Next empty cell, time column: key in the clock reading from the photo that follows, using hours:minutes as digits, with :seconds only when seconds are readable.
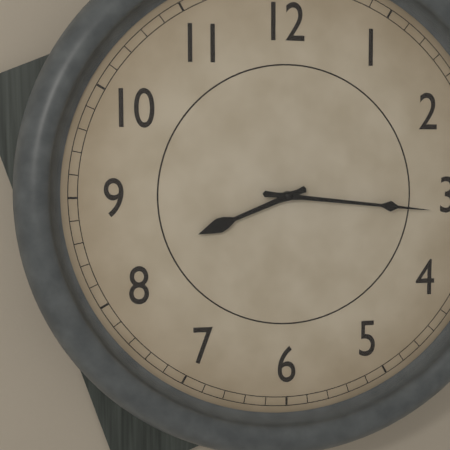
8:16
